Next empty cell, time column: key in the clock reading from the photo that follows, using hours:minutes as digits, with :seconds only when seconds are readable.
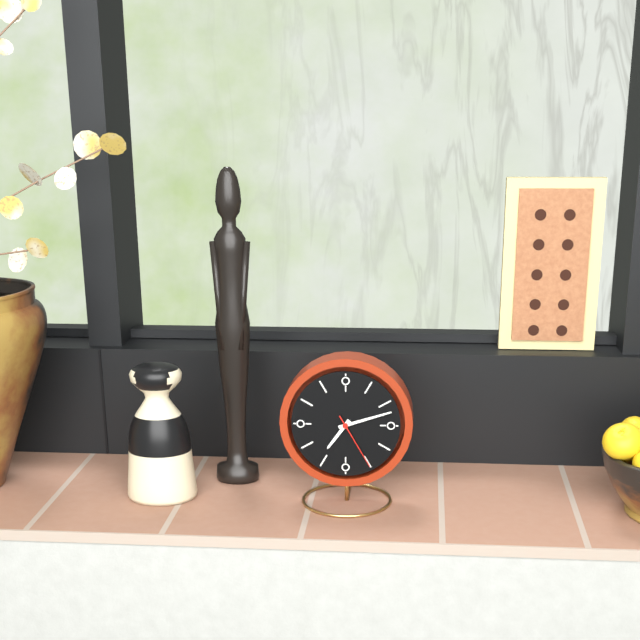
7:12:25
